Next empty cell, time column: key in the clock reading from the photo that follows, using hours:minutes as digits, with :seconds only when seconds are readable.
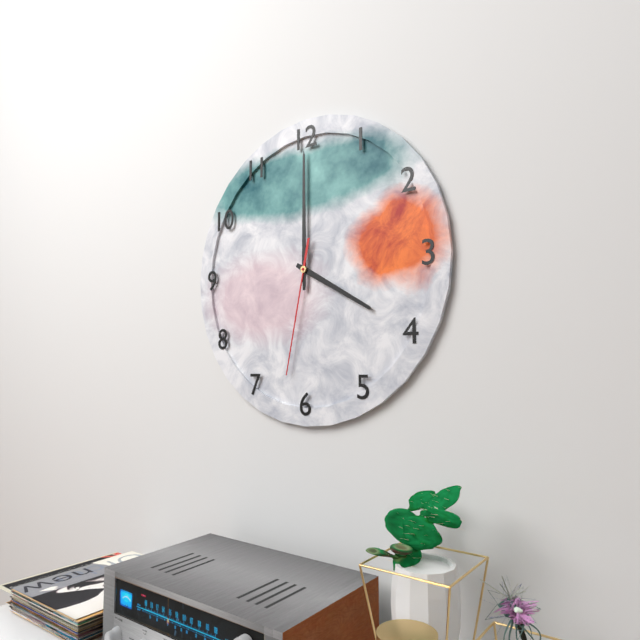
4:00:32
